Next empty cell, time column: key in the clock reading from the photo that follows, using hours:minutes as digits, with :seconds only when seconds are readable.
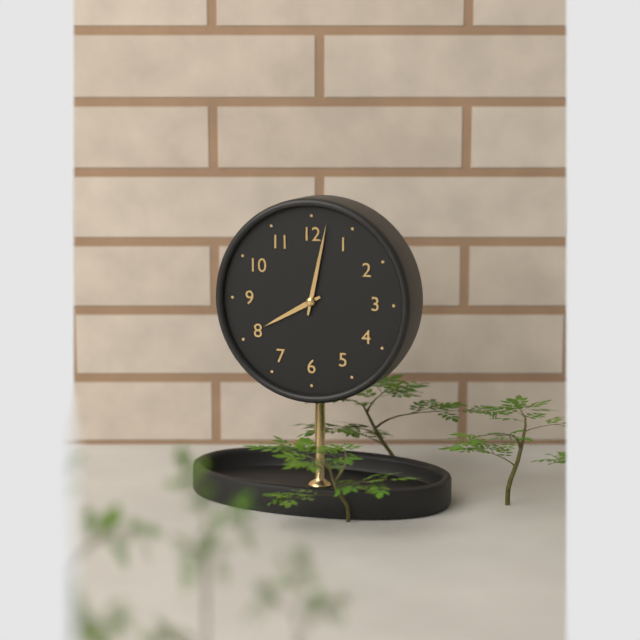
8:02
